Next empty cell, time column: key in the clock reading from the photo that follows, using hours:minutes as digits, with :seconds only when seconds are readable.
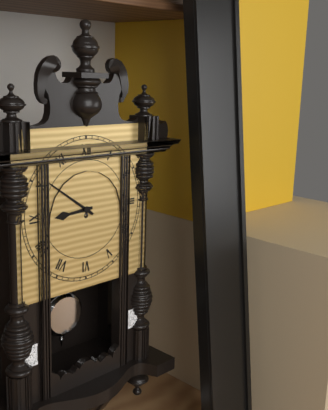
8:51
